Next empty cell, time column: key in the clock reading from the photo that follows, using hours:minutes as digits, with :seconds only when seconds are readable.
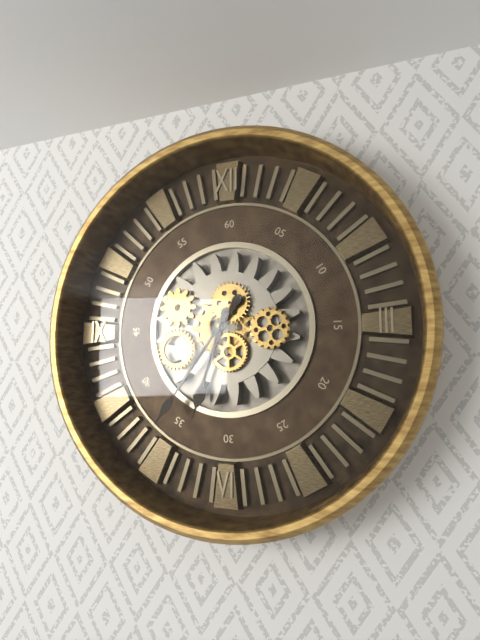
6:36
